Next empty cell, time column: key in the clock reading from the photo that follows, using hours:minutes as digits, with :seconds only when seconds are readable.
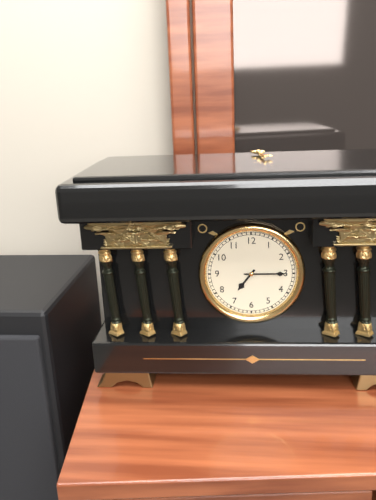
7:15
